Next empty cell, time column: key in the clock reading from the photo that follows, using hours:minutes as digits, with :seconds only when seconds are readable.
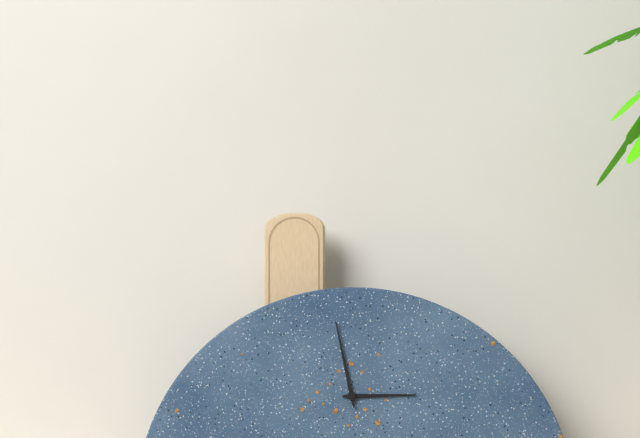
2:58
